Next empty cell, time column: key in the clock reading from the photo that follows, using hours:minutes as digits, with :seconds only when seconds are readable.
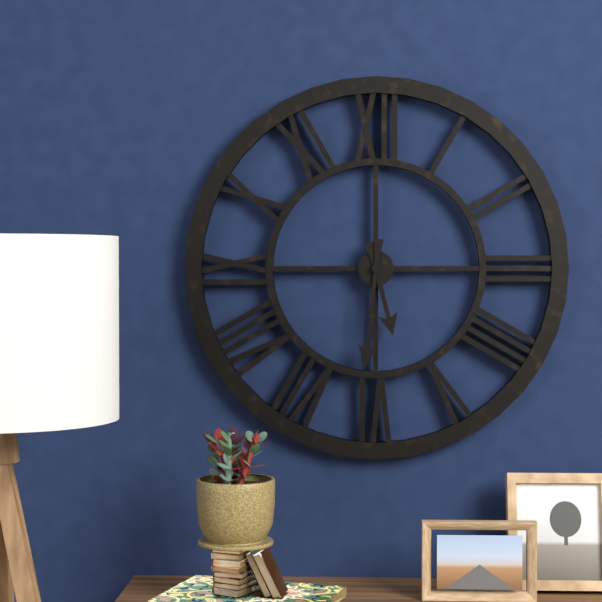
5:31
